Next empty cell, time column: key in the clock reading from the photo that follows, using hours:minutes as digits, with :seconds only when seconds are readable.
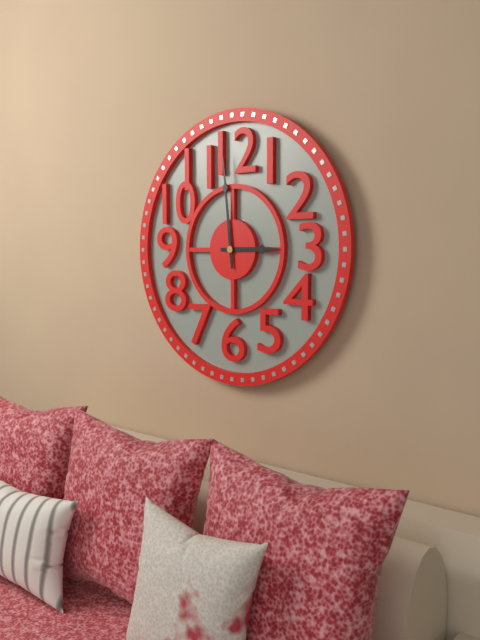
2:59
